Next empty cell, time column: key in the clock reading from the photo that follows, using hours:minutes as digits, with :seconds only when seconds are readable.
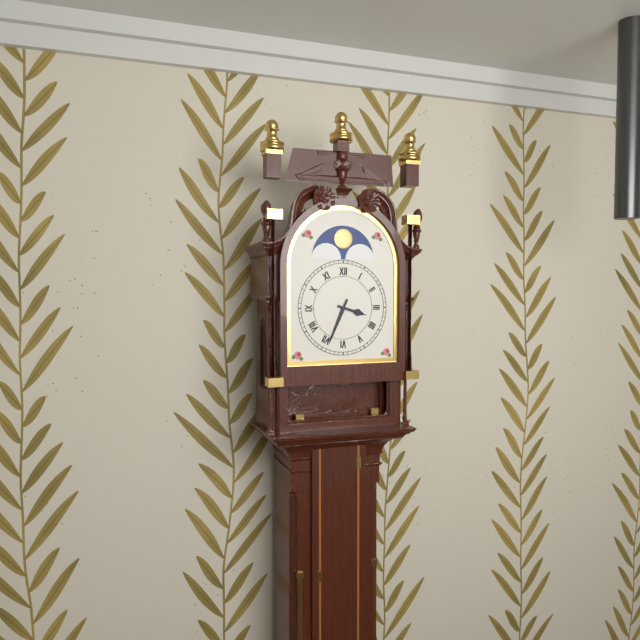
3:34
